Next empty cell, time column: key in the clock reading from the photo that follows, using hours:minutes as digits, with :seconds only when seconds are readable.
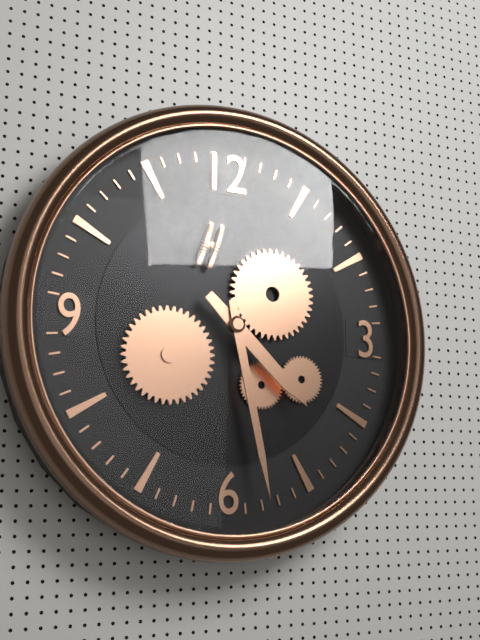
4:28
